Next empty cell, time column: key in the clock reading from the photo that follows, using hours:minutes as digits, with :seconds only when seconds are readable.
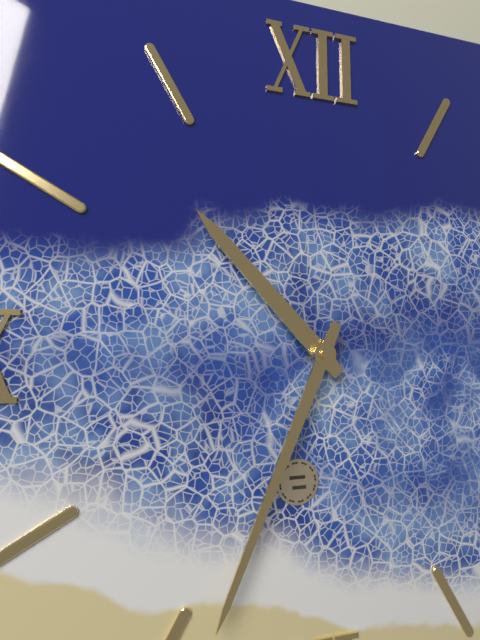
10:34
